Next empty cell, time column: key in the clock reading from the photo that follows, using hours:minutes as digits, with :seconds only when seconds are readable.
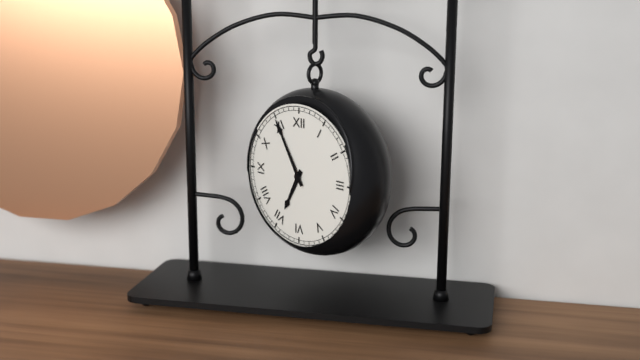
6:55
